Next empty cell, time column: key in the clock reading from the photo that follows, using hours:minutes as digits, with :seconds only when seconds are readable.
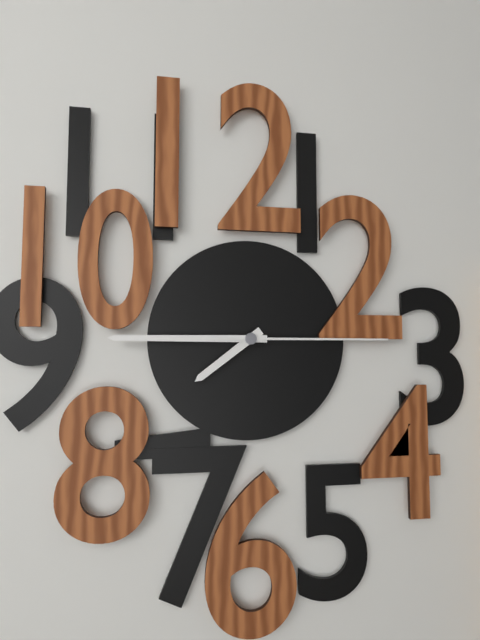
7:45:15
